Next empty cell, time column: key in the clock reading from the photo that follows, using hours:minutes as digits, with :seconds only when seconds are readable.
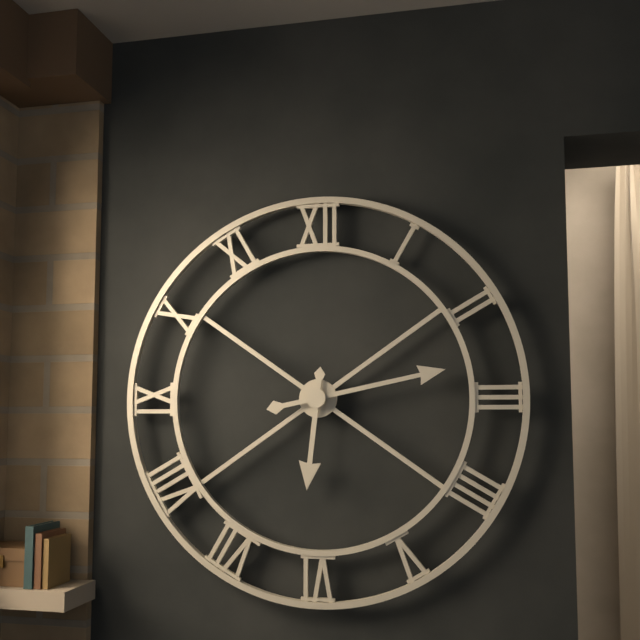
6:13
